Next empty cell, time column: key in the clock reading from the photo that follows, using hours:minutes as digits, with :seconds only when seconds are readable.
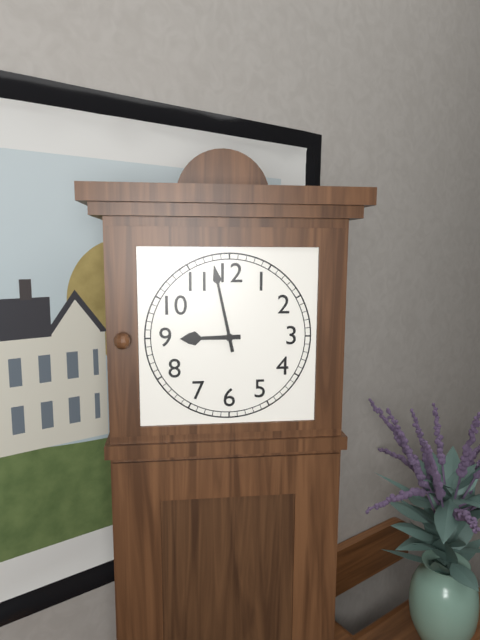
8:58
